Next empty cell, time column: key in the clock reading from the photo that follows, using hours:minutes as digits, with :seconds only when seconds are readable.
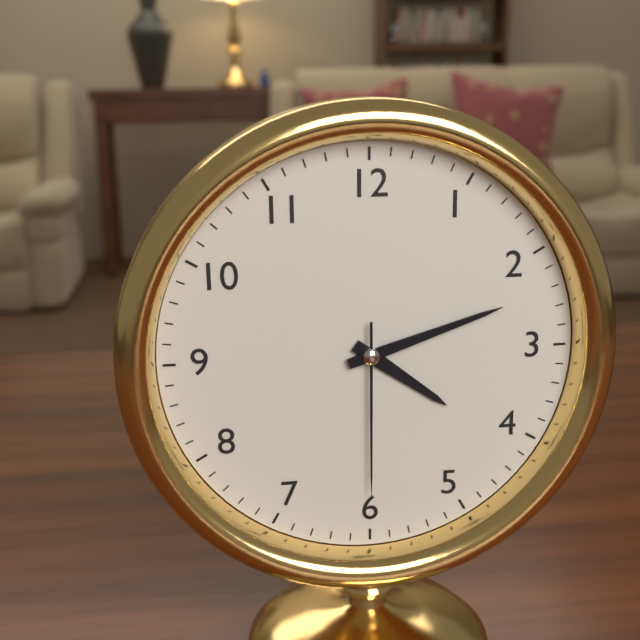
4:12:30
